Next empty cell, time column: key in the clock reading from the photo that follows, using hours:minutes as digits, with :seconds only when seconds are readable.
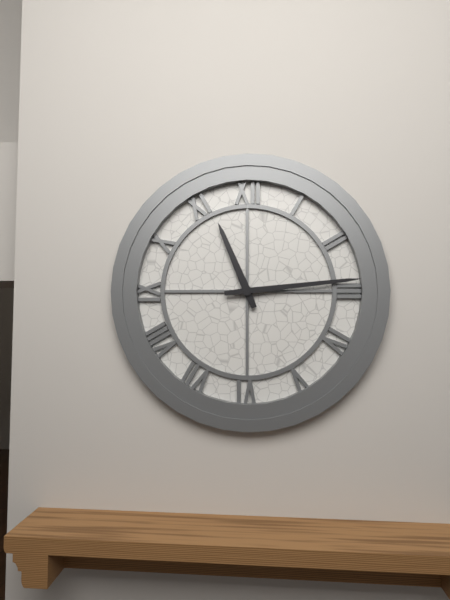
11:14
